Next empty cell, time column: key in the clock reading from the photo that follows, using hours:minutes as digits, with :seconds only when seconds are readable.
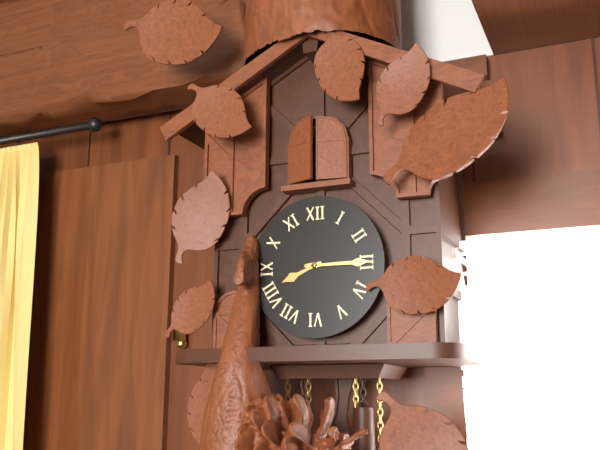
8:15
